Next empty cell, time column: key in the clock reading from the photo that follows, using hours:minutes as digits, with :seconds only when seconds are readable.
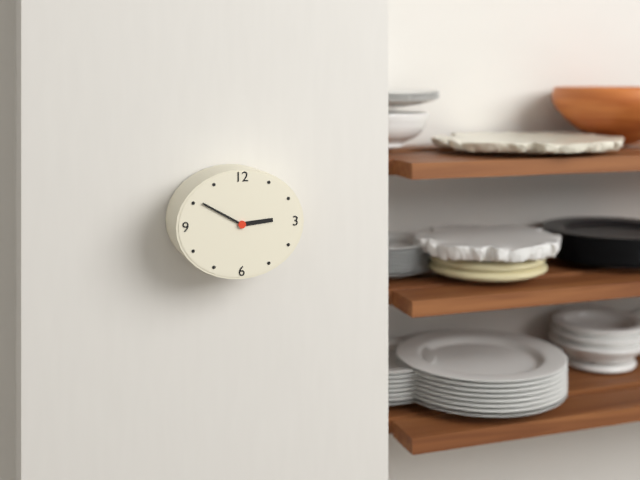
2:50
